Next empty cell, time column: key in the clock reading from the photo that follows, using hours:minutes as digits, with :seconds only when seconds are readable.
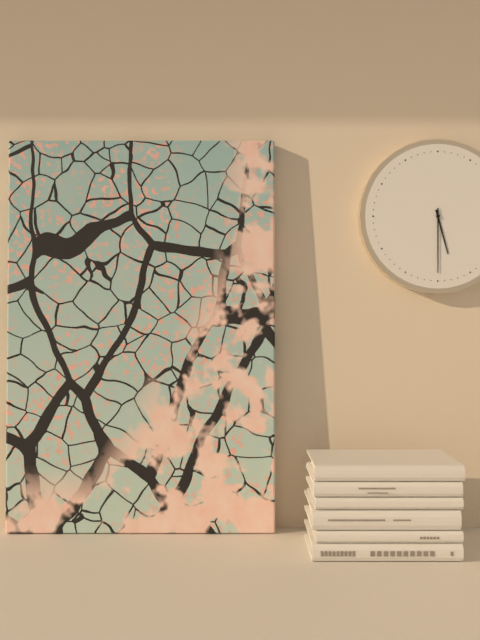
5:30
